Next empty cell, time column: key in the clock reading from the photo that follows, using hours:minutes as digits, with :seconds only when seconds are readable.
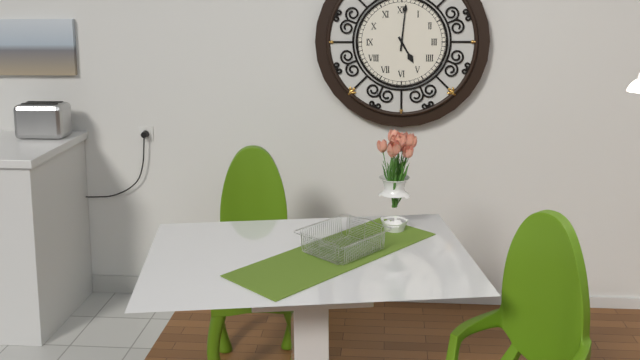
5:01
